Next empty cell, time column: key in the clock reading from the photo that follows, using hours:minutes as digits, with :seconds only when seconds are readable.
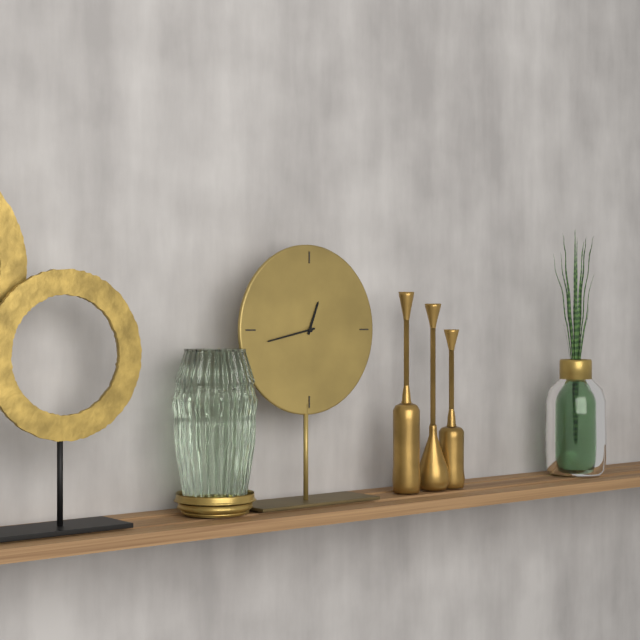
12:43
